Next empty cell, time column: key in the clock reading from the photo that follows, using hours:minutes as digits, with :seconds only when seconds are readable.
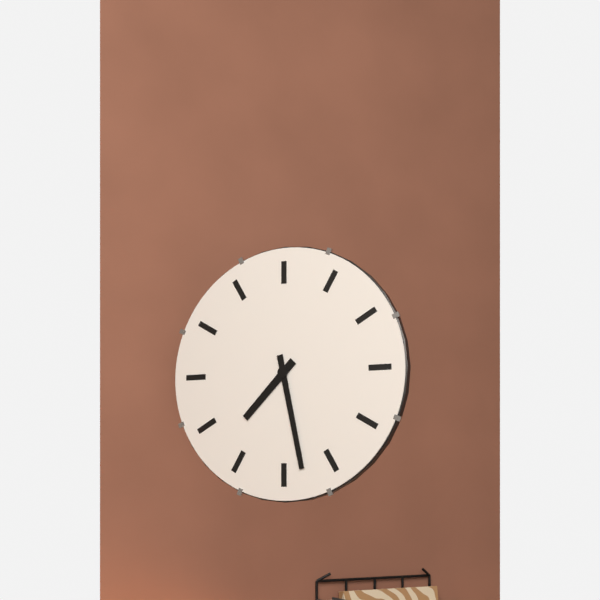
7:28
